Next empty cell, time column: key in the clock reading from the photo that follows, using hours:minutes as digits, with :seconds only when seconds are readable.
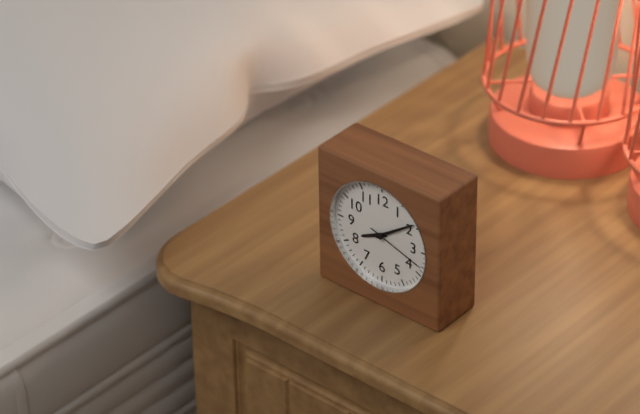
8:09:18
